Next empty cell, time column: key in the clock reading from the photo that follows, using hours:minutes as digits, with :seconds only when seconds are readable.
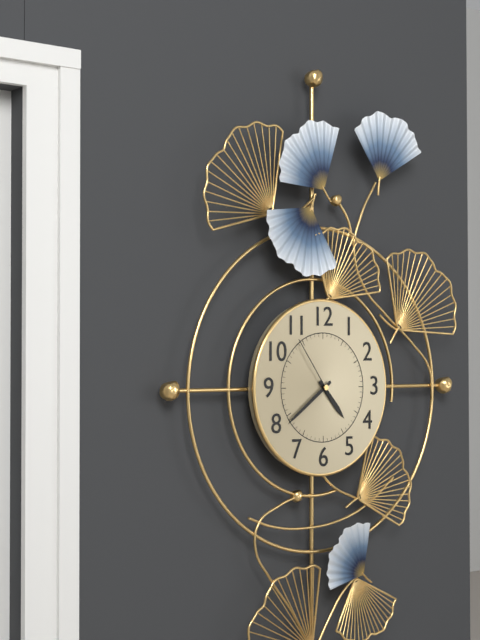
4:39:54
